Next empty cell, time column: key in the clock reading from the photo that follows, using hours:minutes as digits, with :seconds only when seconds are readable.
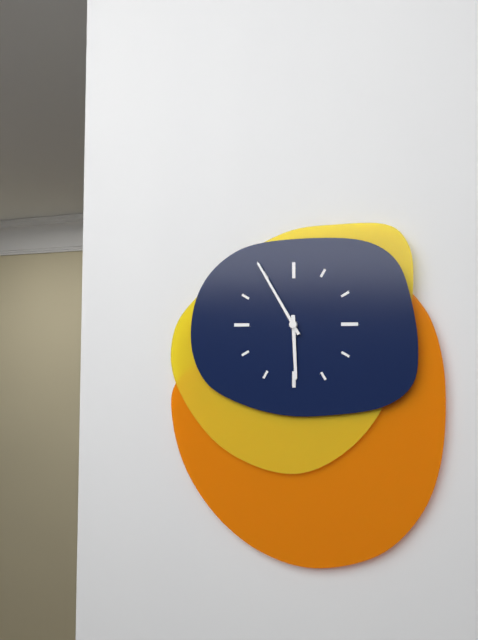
5:55
